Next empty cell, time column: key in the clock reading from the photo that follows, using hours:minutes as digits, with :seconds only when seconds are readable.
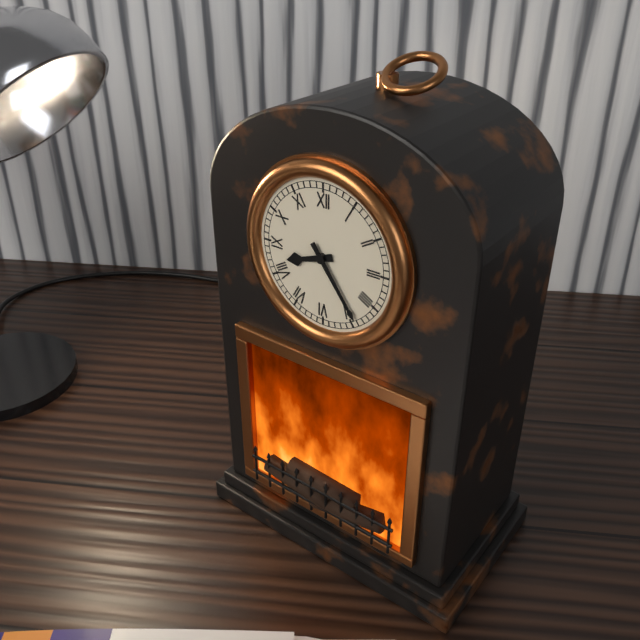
8:24
